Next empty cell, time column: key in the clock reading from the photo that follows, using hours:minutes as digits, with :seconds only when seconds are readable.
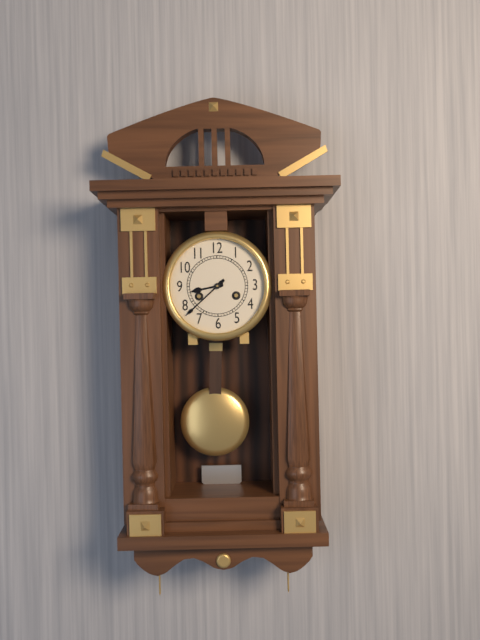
8:38
